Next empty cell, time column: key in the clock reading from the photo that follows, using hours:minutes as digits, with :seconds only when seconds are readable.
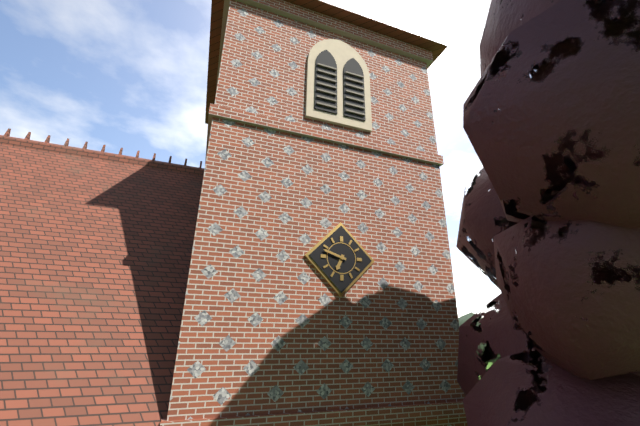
6:48
